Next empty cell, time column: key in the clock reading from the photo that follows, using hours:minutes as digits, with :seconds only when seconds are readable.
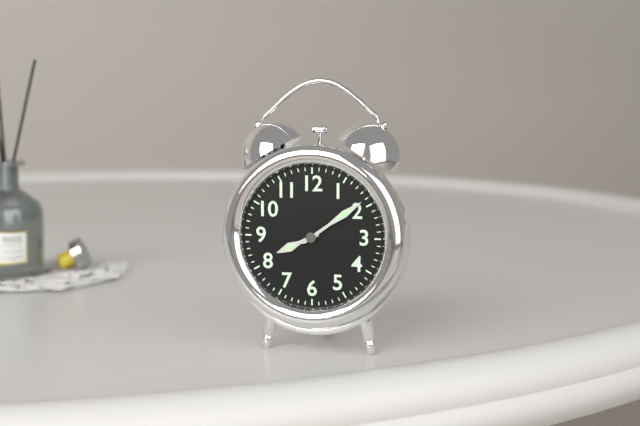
8:09
